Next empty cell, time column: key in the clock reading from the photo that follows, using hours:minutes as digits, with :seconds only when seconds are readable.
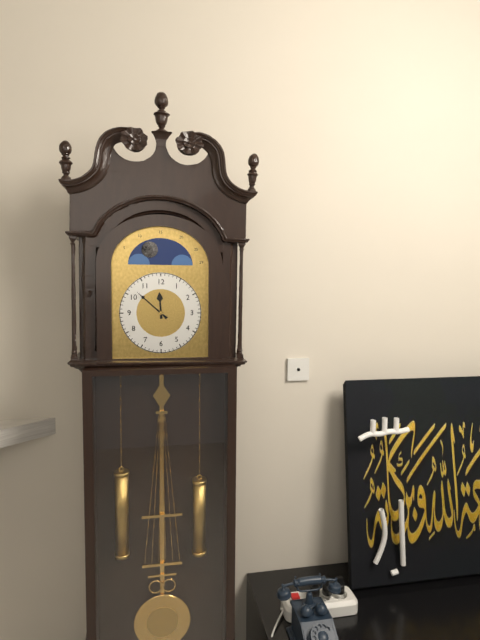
11:52
